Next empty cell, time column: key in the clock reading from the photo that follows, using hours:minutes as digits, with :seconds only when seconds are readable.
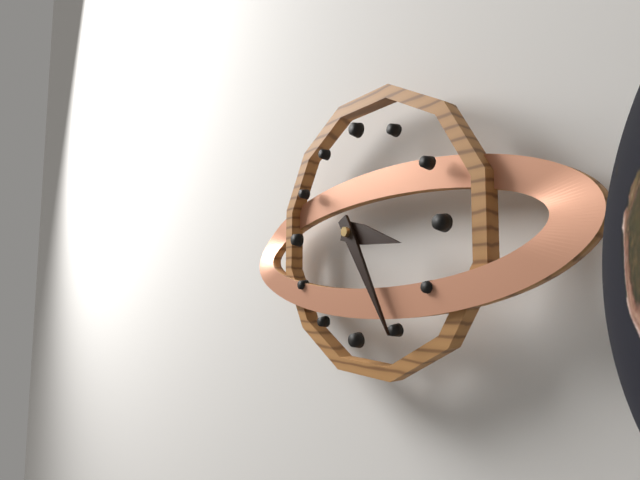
3:25
